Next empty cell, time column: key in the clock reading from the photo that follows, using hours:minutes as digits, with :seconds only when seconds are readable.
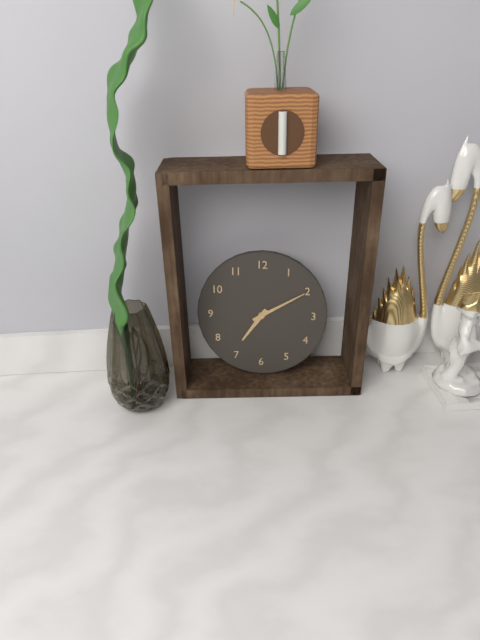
7:10
